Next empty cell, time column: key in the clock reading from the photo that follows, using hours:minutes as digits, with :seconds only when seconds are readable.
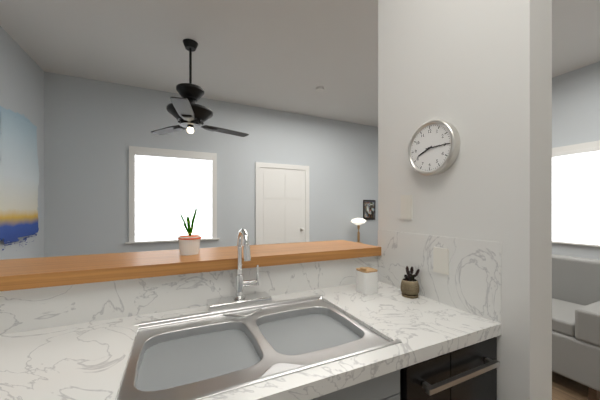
8:15
